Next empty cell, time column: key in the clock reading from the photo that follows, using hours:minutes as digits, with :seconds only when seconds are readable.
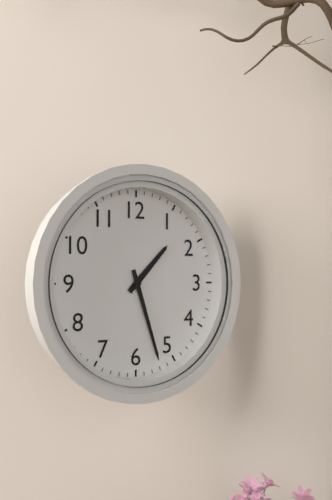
1:27
